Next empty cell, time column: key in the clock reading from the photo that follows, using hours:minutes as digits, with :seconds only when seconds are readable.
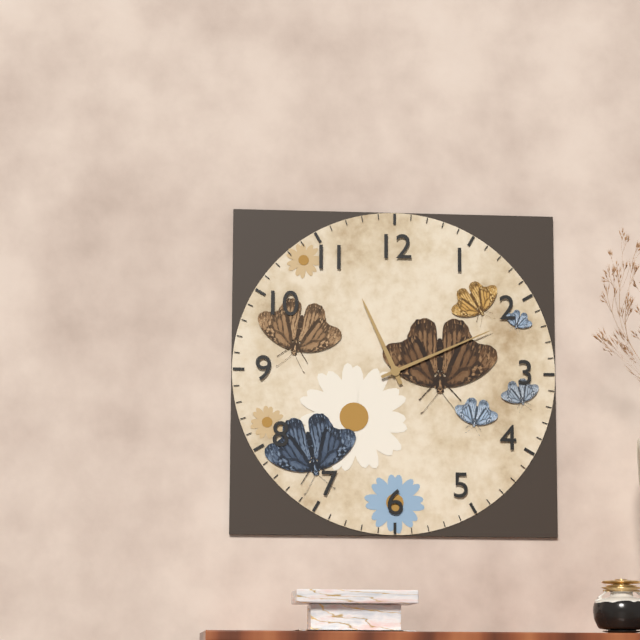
11:11
